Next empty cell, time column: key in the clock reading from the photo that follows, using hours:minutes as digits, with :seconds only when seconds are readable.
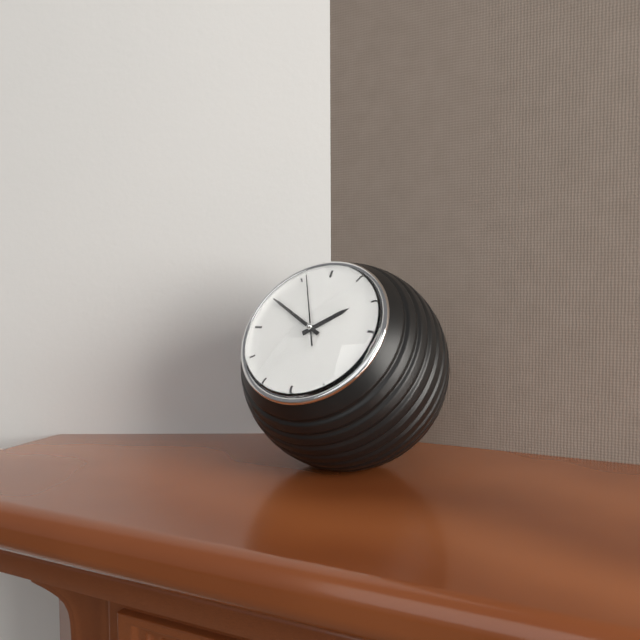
1:50:56
